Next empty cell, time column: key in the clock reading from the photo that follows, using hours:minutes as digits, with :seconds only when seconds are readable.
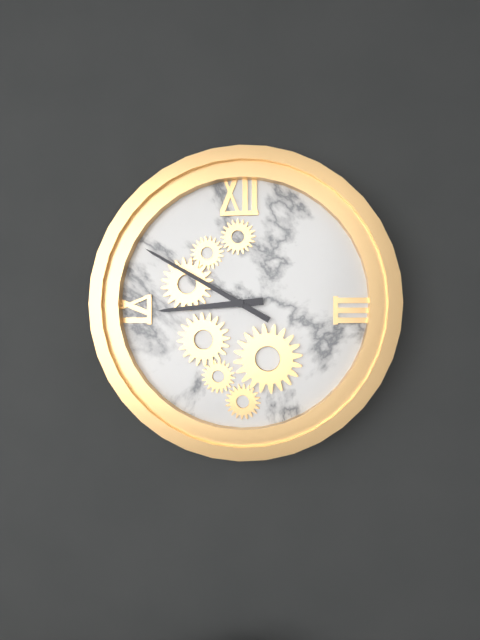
8:50
